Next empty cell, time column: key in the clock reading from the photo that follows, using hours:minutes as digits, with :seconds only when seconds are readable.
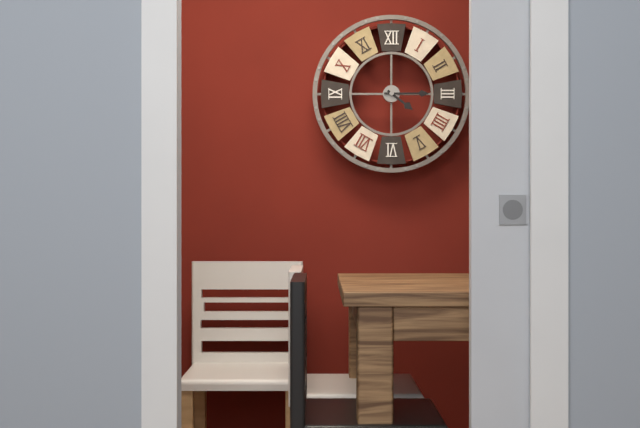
4:15
